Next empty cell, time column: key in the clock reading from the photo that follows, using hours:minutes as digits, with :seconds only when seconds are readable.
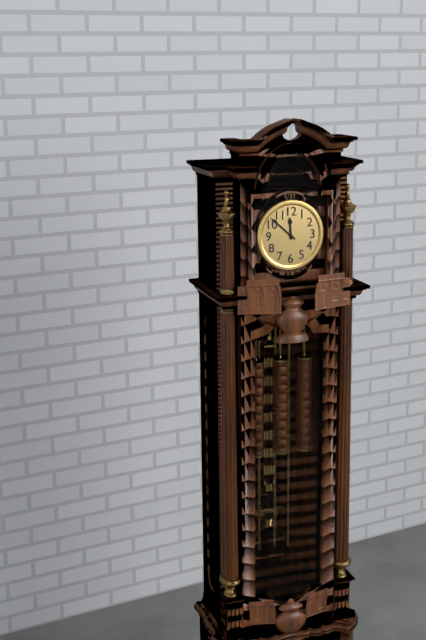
11:52
